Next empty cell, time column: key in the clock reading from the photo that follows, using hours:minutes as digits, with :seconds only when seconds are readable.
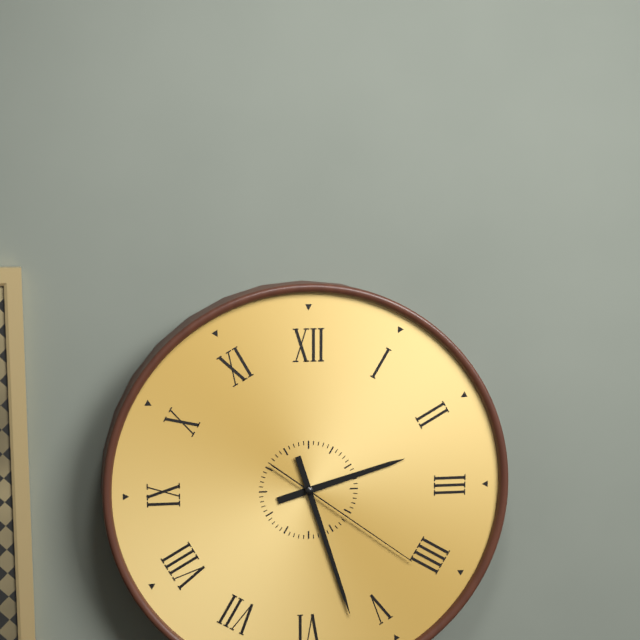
2:27:21
